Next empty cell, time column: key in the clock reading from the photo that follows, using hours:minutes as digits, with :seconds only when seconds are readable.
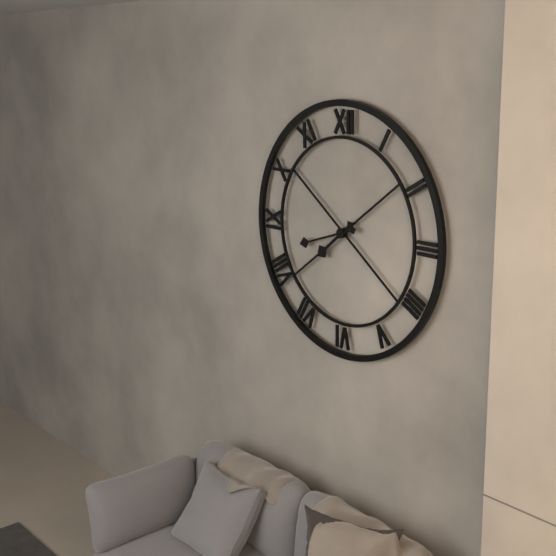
7:42
